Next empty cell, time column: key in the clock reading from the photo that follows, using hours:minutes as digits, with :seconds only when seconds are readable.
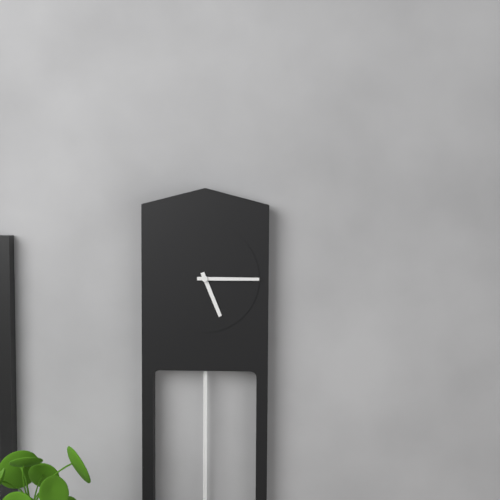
5:15
